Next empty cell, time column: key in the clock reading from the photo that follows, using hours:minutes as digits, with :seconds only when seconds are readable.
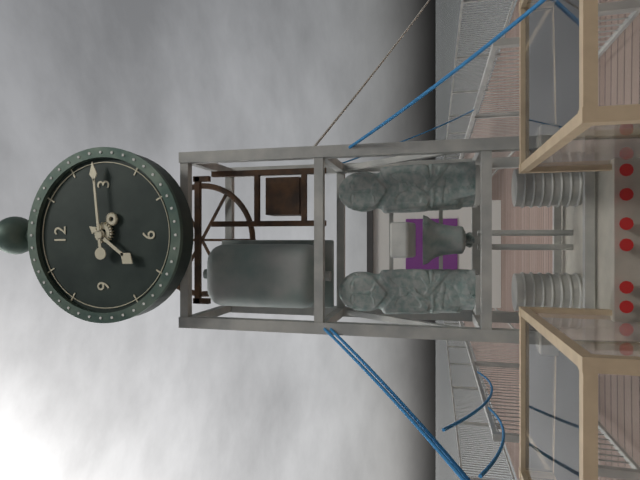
7:14
